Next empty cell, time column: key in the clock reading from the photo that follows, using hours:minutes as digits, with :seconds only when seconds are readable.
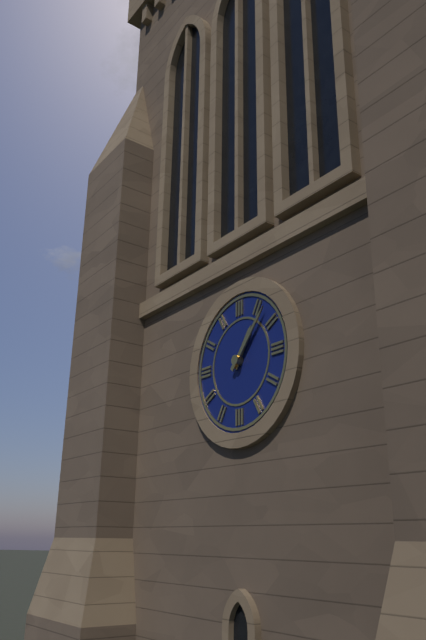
1:07
